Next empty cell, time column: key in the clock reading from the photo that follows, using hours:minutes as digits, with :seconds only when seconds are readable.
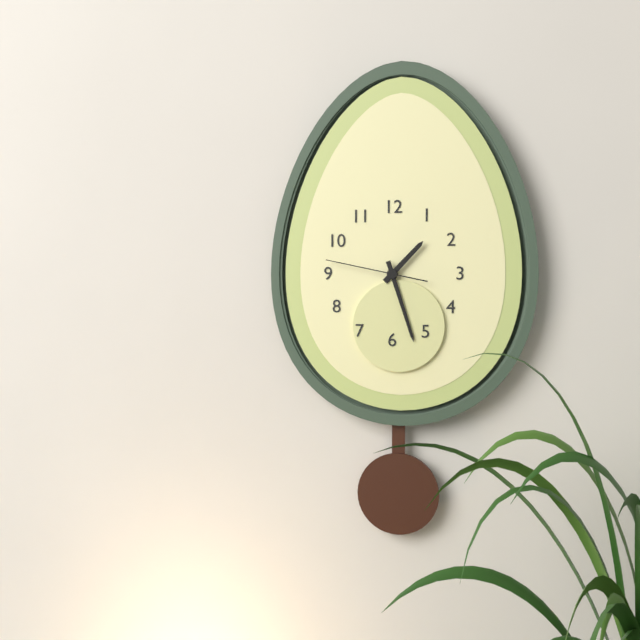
1:27:47
